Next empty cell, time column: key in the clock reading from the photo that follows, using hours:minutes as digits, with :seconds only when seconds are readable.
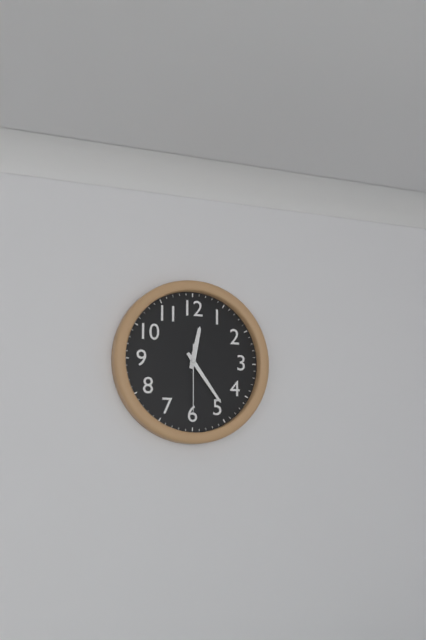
12:24:30
